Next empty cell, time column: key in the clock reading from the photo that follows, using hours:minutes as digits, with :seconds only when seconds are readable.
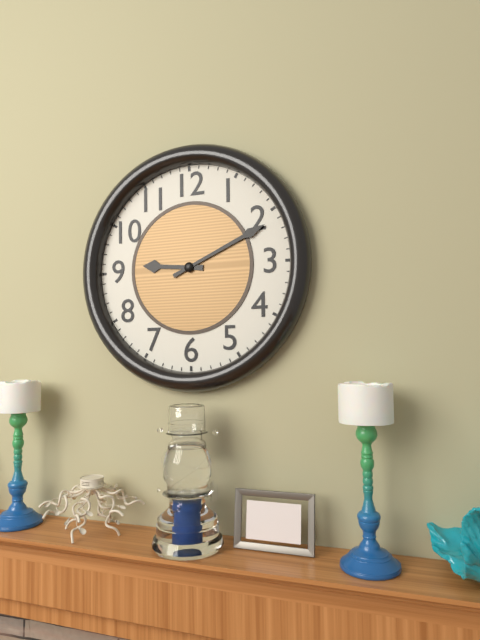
9:11
